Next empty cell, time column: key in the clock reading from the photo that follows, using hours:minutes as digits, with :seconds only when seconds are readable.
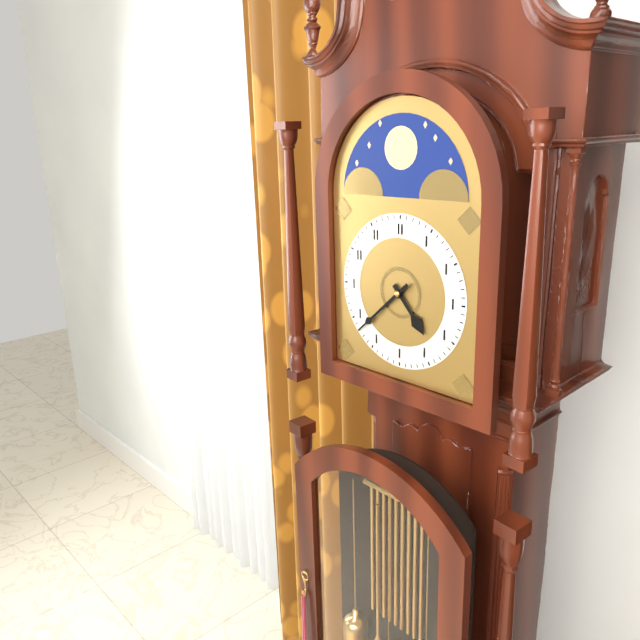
4:38
